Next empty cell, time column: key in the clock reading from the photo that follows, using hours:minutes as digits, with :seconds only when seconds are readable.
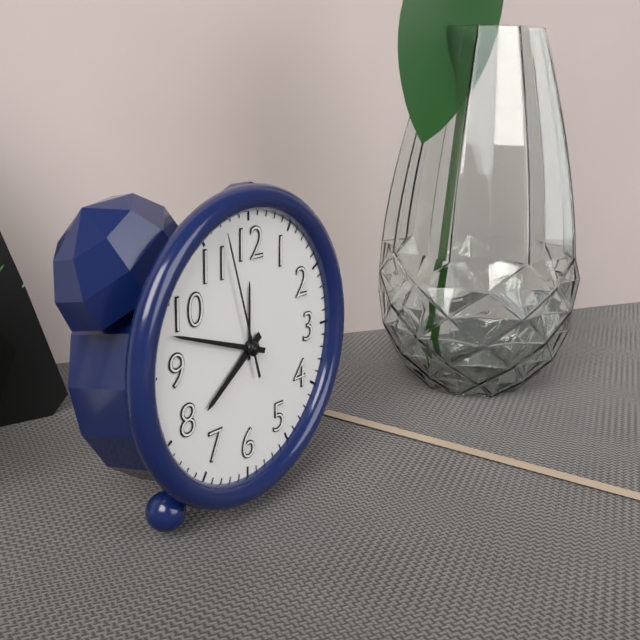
7:48:57
